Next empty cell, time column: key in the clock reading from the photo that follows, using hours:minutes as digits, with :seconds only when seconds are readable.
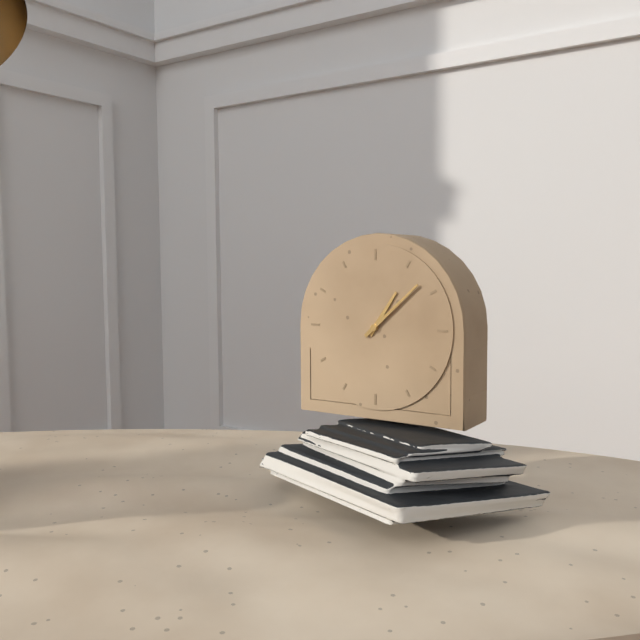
1:08
